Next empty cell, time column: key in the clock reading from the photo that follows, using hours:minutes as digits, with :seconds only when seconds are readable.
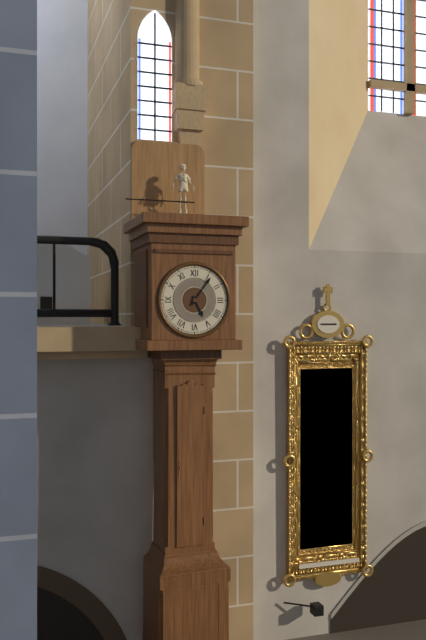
5:06
